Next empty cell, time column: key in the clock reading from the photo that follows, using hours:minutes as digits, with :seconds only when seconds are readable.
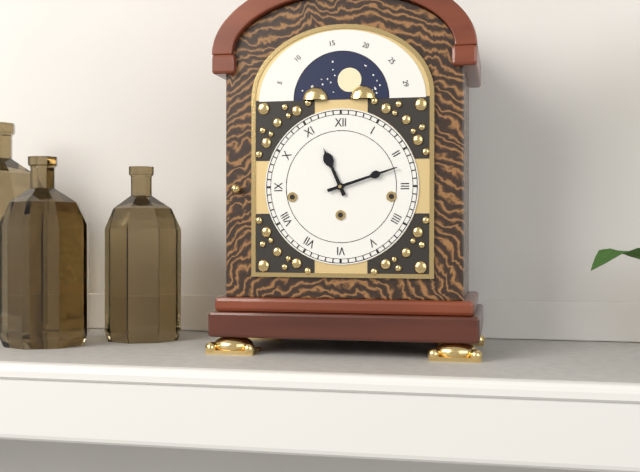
11:12
